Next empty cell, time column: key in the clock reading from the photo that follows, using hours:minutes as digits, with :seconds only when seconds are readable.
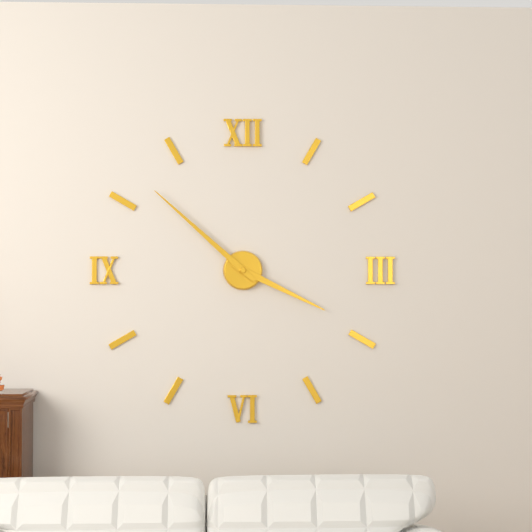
3:52
